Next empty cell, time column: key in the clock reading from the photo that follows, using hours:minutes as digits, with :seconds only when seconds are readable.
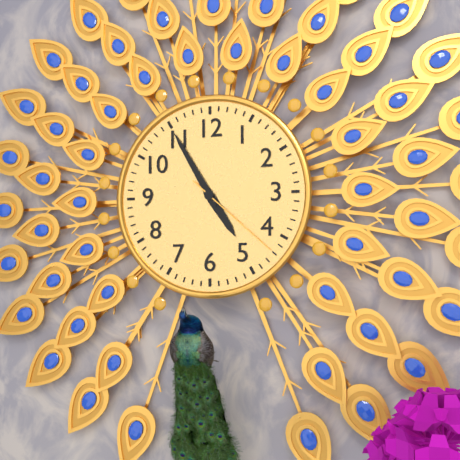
4:55:22
